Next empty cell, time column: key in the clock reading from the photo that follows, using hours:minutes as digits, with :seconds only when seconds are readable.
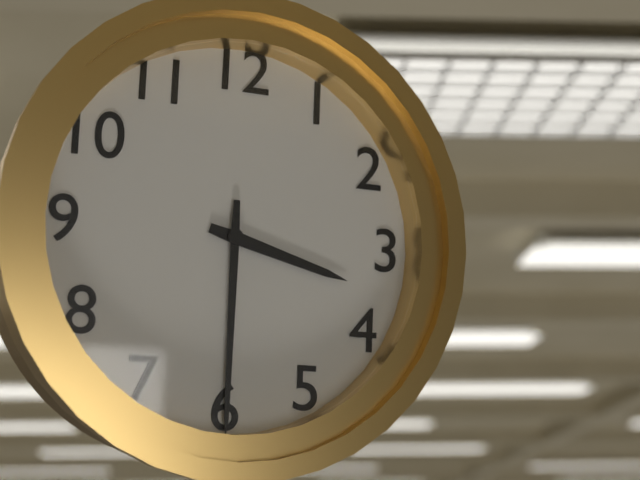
3:30
